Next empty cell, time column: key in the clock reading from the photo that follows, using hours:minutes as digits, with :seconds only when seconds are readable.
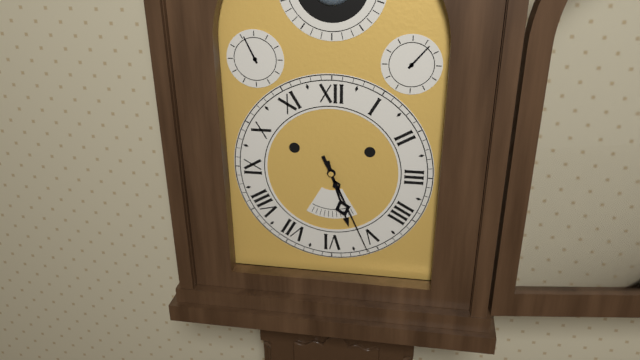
5:26
